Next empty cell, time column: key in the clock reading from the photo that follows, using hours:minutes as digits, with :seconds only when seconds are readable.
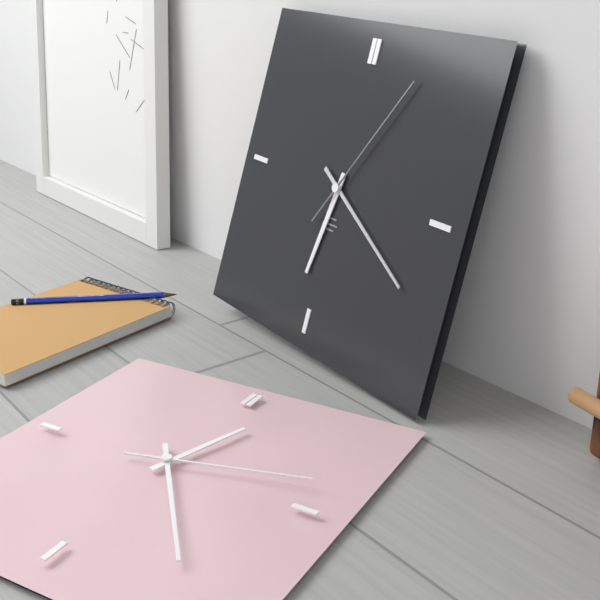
6:20:05
